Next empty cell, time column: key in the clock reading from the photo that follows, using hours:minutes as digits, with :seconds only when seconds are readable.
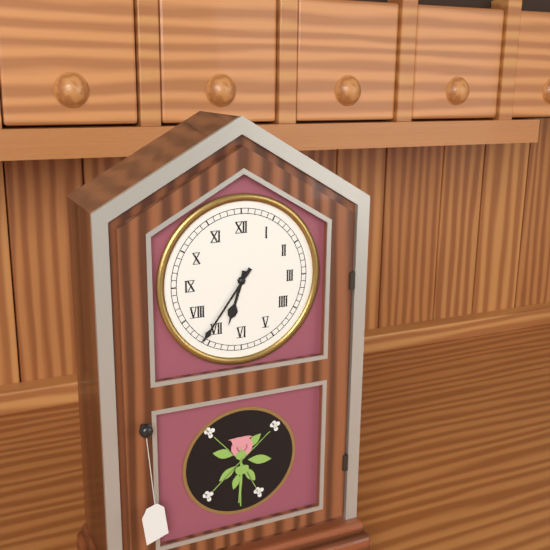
6:36
